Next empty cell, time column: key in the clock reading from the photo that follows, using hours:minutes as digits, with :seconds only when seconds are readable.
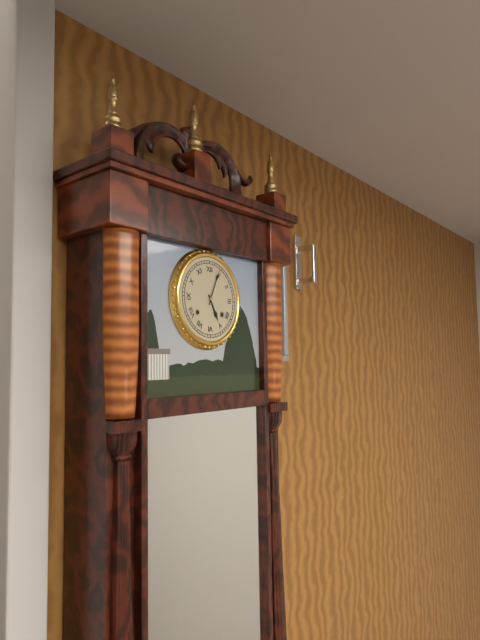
5:04
